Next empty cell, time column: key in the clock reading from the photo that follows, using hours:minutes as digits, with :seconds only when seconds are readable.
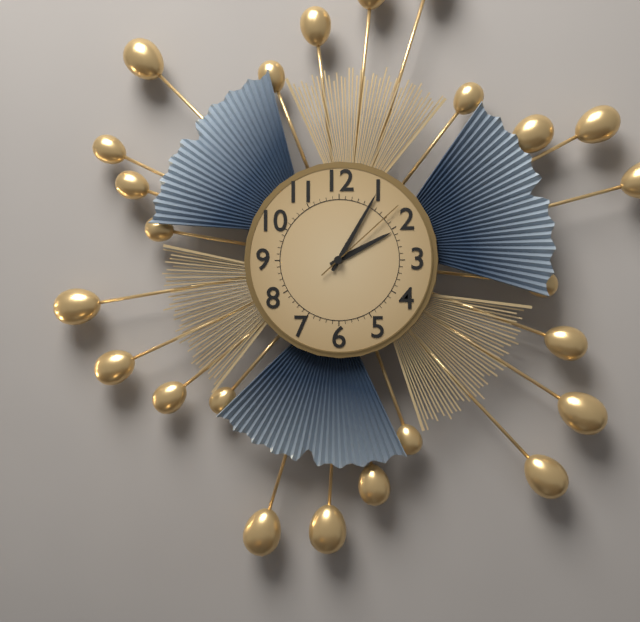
2:05:08
